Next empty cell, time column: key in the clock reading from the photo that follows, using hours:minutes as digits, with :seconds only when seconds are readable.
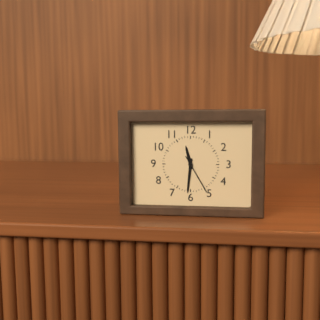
11:31
